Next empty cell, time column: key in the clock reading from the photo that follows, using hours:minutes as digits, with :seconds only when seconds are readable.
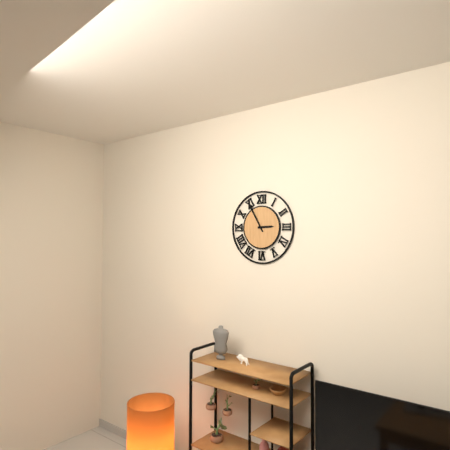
2:55
